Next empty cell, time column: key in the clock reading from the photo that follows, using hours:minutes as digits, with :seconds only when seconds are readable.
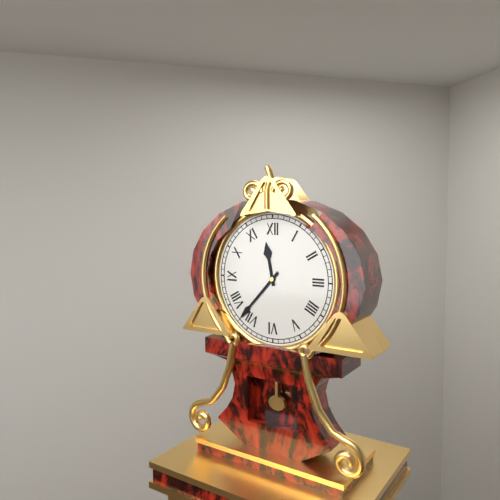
11:37
